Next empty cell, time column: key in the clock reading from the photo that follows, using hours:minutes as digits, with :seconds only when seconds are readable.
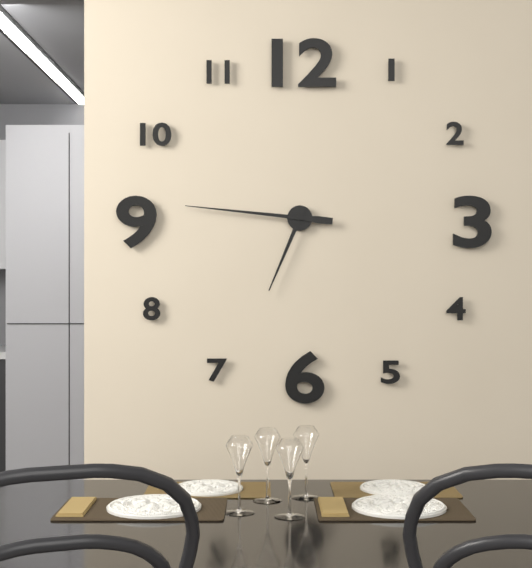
6:46
